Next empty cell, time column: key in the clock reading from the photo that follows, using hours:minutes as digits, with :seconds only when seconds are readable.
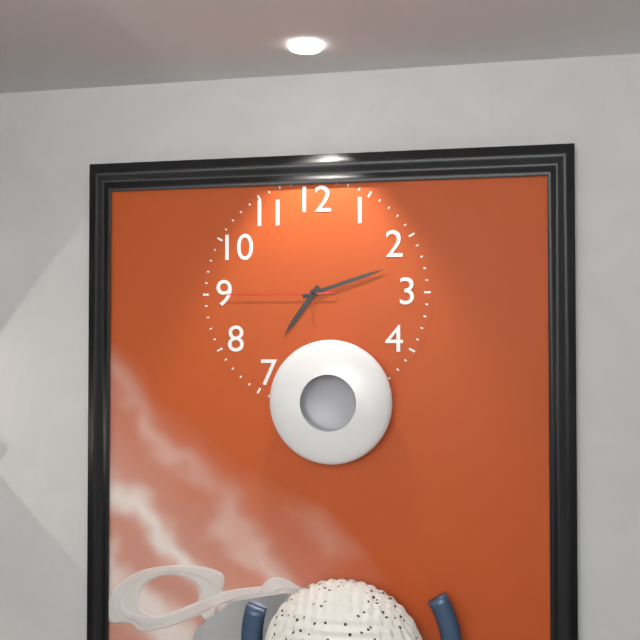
7:12:45
